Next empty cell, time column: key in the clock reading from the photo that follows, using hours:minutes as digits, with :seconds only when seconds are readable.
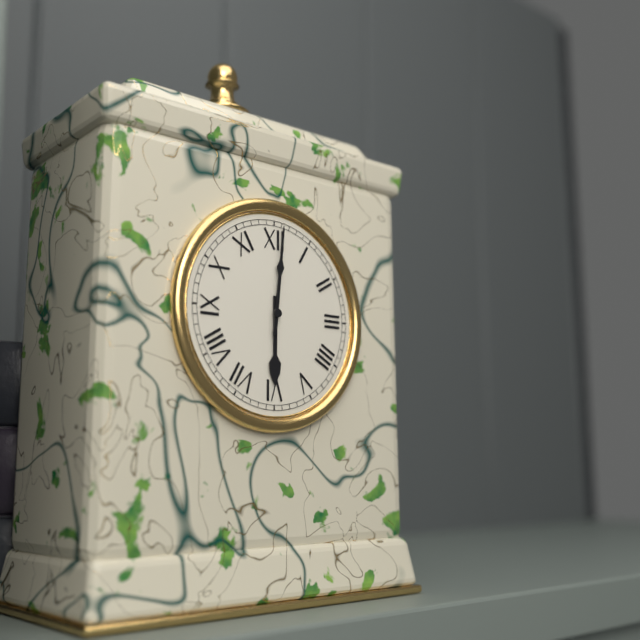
6:01
